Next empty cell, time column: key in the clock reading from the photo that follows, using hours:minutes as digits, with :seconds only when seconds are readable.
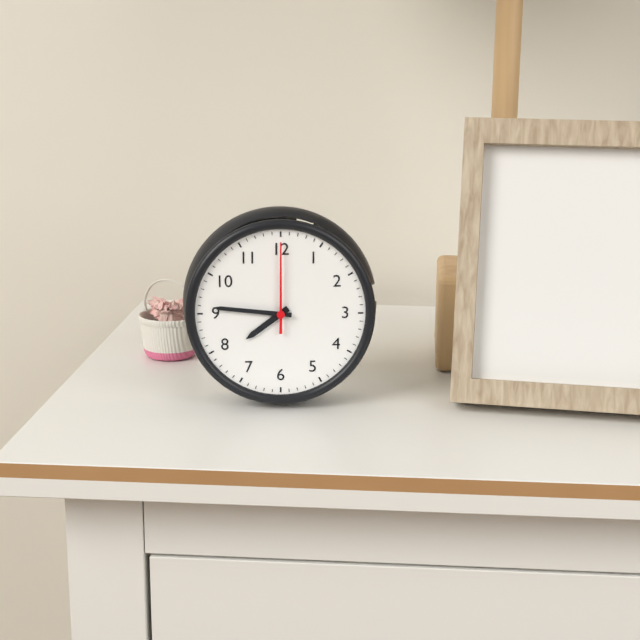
7:46:00
